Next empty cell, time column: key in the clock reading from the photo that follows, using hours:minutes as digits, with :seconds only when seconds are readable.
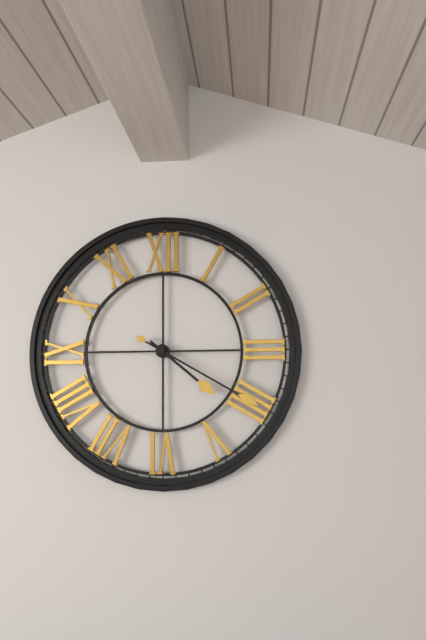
4:20
